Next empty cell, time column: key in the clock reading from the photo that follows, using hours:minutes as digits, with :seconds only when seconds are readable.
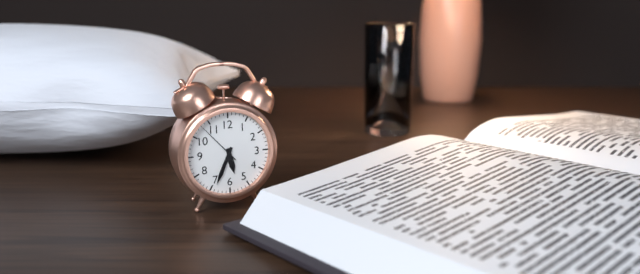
5:34
